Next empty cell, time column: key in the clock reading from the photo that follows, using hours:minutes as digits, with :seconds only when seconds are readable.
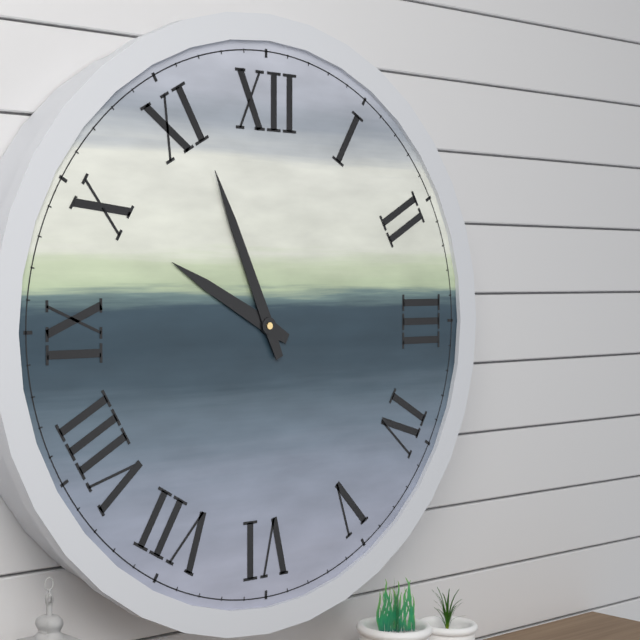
9:56
